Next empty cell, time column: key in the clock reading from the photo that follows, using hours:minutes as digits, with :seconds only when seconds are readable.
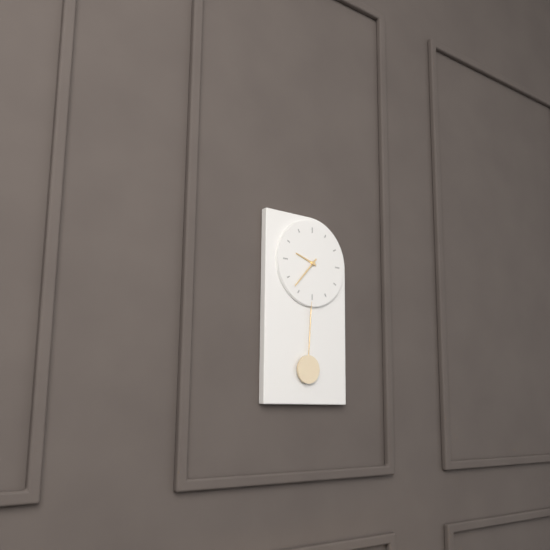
9:37
